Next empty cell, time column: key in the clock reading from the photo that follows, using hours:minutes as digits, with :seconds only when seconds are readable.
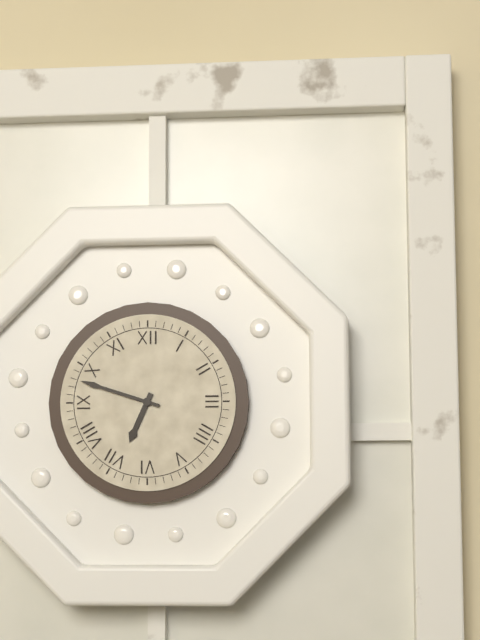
6:48
